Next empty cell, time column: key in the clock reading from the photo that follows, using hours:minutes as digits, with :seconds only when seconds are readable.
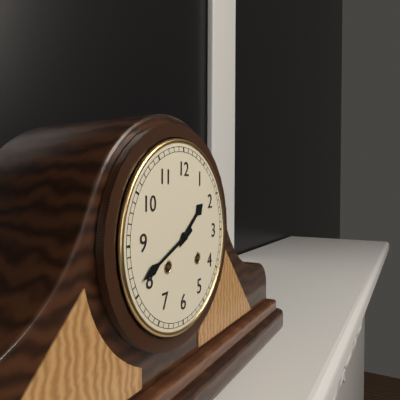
1:41
